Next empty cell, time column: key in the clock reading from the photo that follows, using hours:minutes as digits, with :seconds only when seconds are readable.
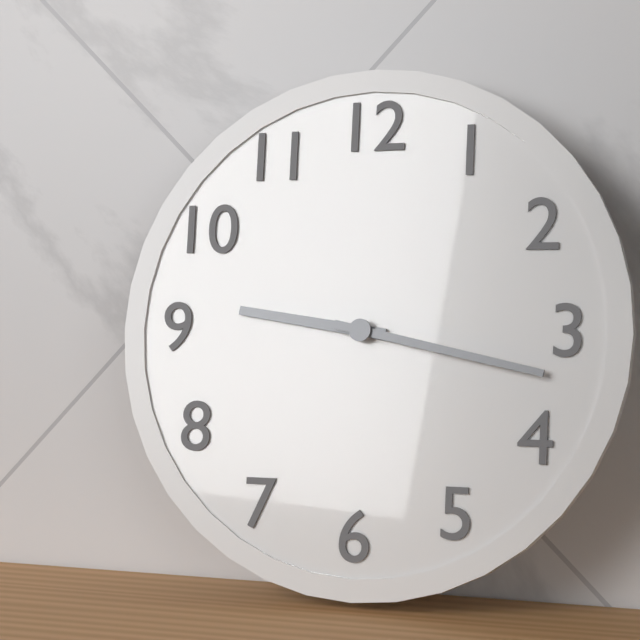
9:17
